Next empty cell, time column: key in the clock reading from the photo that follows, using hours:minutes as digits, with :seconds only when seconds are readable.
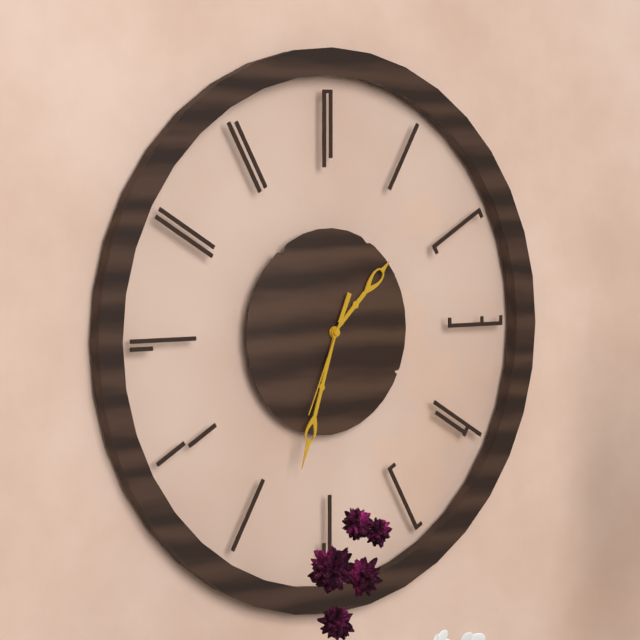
1:33:34
